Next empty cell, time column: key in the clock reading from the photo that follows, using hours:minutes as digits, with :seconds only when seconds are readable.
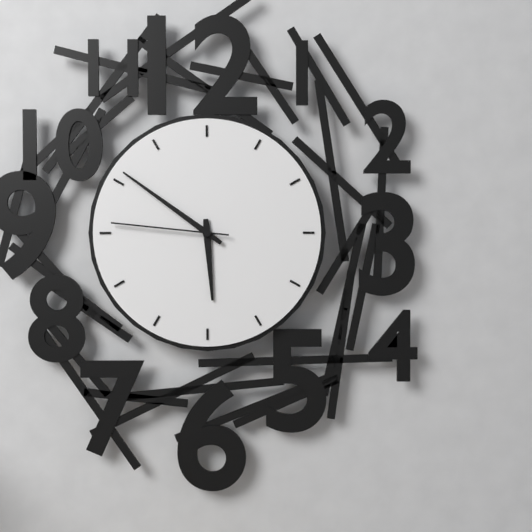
5:51:46
